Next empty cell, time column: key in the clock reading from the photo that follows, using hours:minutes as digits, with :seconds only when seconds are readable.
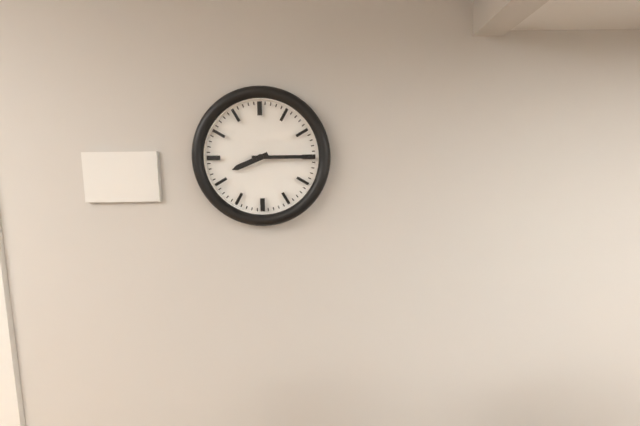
8:15
